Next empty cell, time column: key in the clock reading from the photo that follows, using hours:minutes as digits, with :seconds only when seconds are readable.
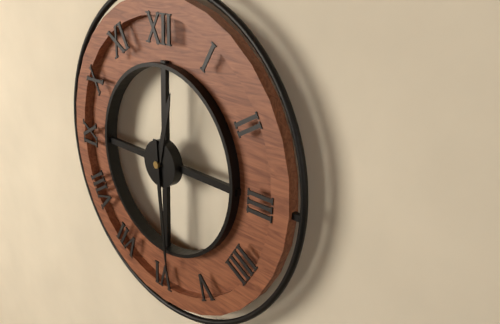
12:29
